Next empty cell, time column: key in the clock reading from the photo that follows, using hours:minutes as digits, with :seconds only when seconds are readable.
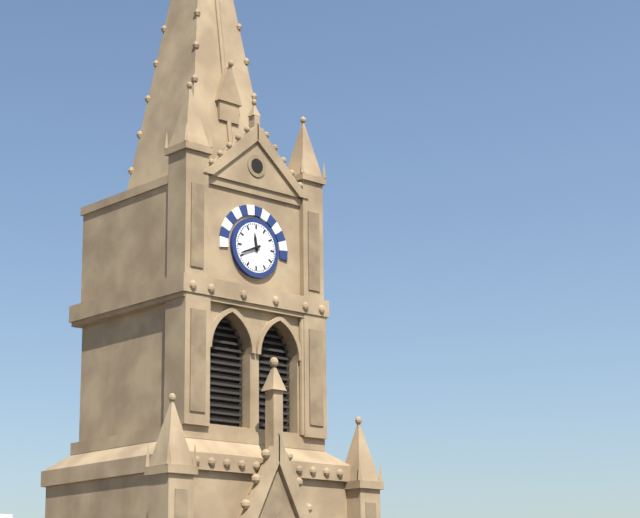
11:41
